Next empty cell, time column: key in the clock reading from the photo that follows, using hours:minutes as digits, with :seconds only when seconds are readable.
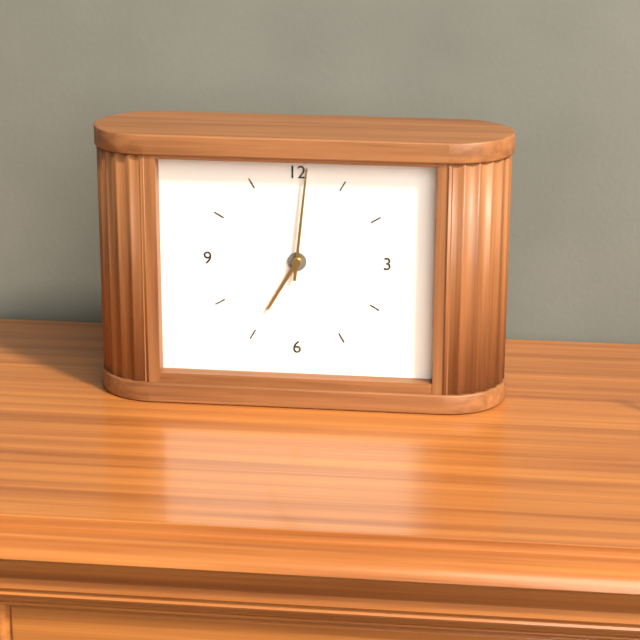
7:01
